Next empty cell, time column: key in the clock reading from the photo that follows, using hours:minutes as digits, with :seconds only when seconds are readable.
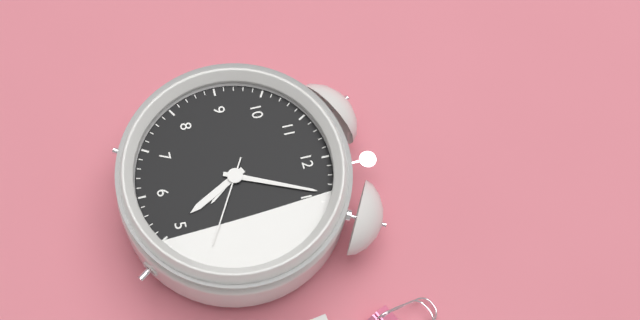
5:04:20
